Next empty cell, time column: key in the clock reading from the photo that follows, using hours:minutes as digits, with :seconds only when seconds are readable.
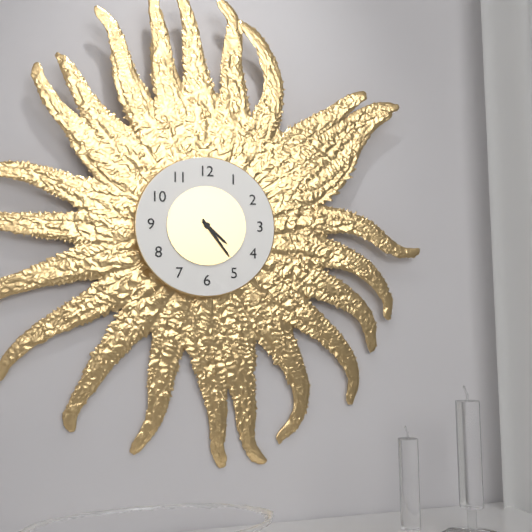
4:24
